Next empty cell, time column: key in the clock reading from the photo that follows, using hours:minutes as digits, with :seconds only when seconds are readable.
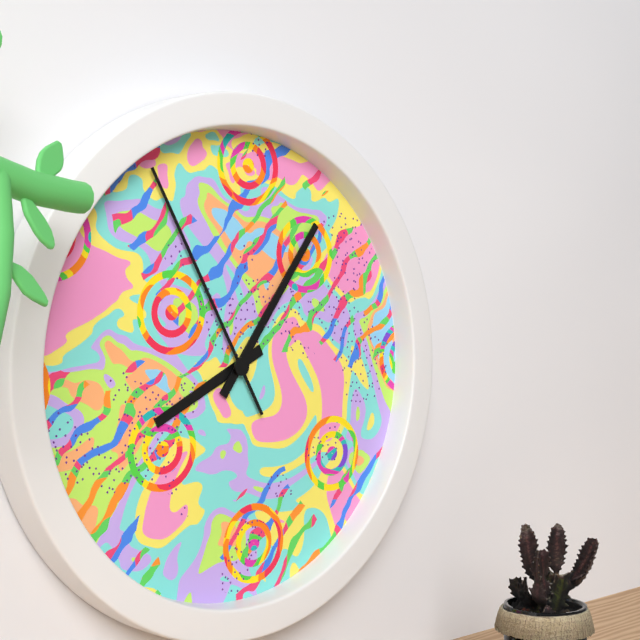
8:06:55
